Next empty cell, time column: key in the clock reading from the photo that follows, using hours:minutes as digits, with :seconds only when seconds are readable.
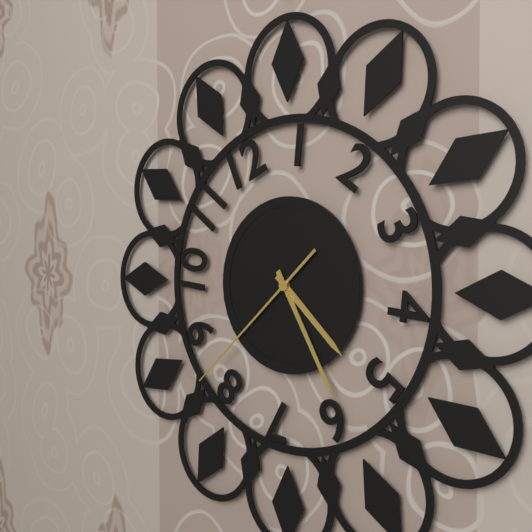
4:25:38
